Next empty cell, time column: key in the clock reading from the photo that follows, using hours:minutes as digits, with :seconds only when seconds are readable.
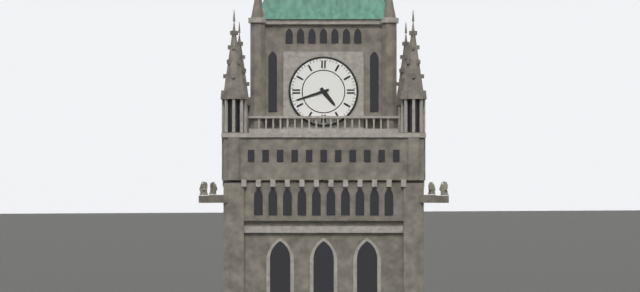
4:42
